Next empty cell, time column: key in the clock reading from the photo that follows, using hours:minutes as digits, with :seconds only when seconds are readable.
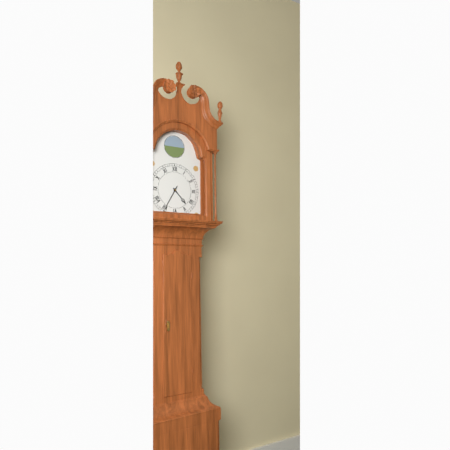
4:35
